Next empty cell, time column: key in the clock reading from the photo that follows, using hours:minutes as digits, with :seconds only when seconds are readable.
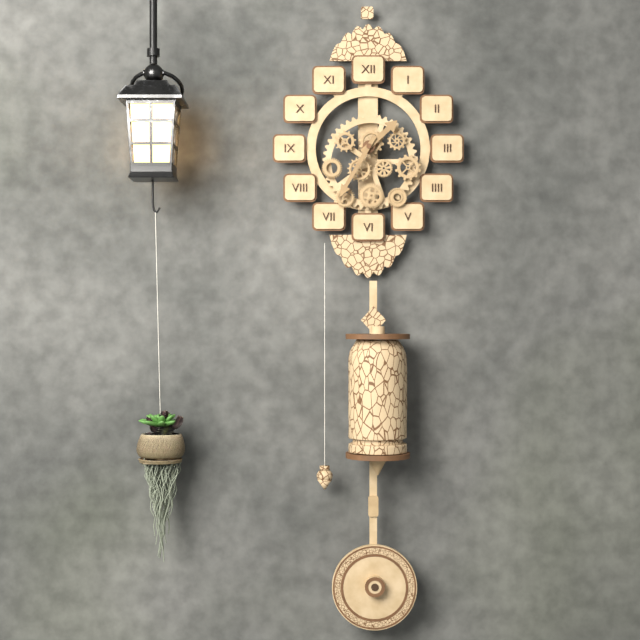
1:35
